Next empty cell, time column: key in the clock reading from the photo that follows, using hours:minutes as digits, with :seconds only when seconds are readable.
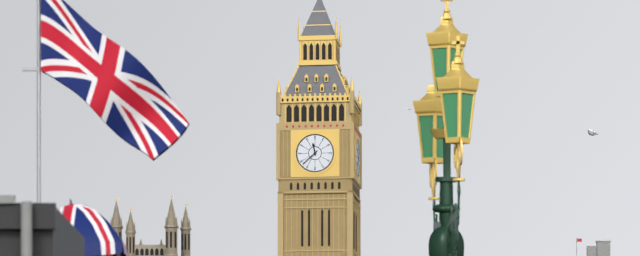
11:38
